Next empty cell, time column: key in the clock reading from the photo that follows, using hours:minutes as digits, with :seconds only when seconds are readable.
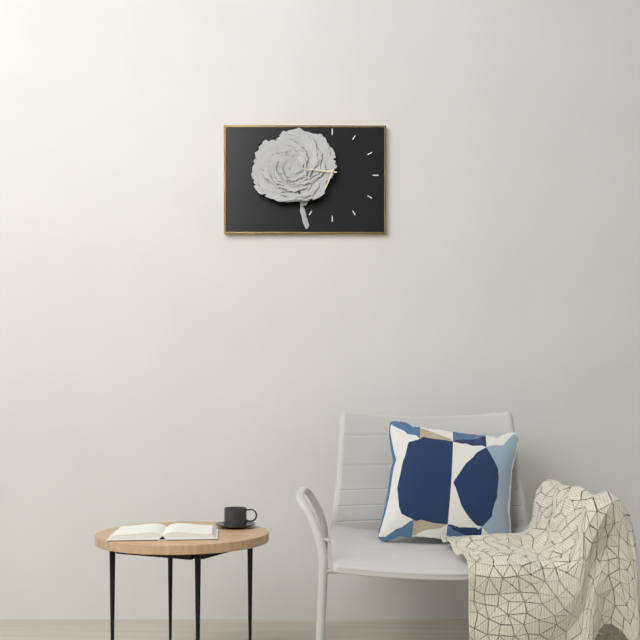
6:46
